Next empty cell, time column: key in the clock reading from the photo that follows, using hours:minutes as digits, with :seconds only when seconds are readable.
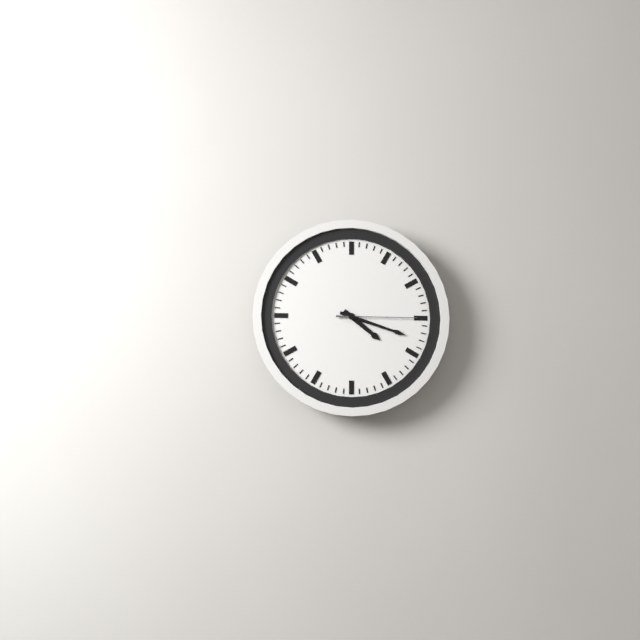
4:18:15
